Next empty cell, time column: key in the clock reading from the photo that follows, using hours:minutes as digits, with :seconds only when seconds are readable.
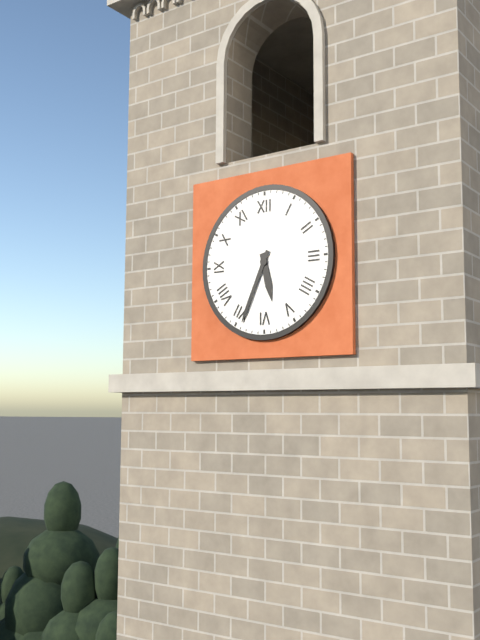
5:34
